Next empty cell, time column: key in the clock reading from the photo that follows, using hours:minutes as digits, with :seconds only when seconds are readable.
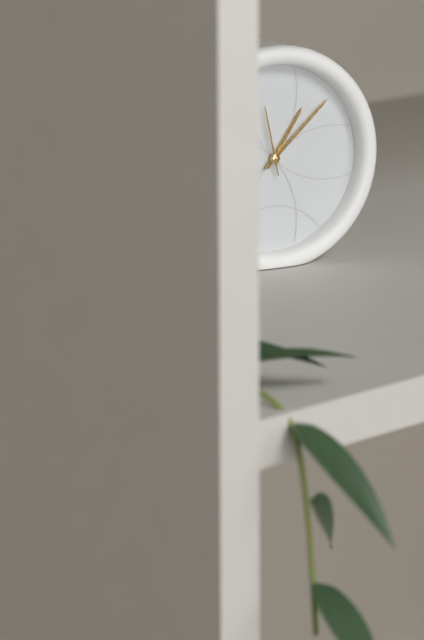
1:08:58
